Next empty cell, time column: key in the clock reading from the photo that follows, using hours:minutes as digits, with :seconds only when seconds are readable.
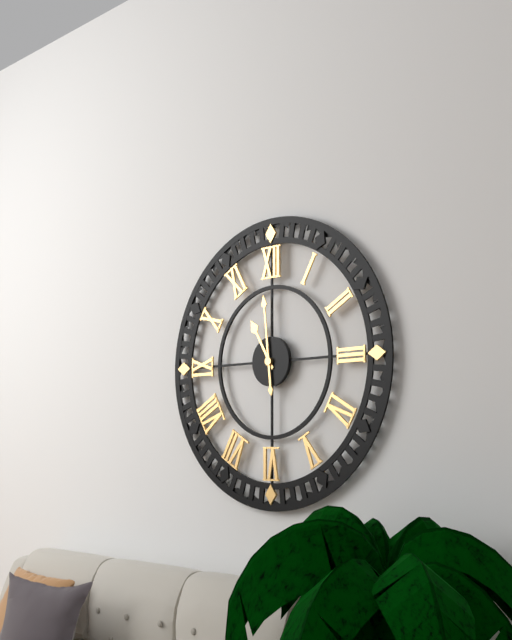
10:59
